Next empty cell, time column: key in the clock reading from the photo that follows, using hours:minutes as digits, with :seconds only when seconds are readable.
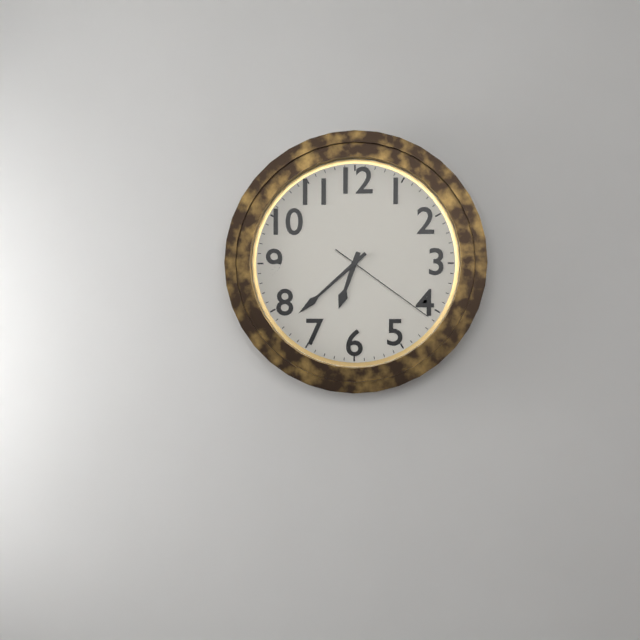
6:38:21
